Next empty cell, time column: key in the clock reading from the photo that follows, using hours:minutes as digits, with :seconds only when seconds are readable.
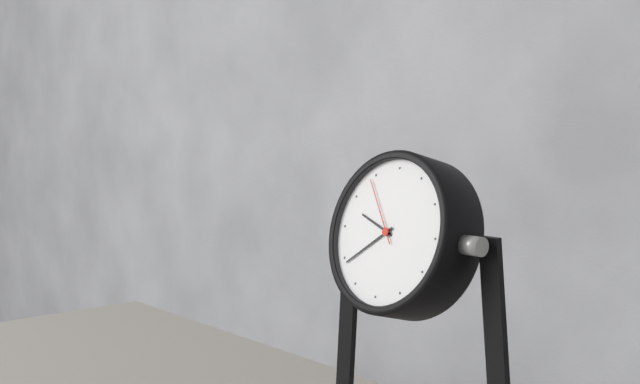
9:39:54
